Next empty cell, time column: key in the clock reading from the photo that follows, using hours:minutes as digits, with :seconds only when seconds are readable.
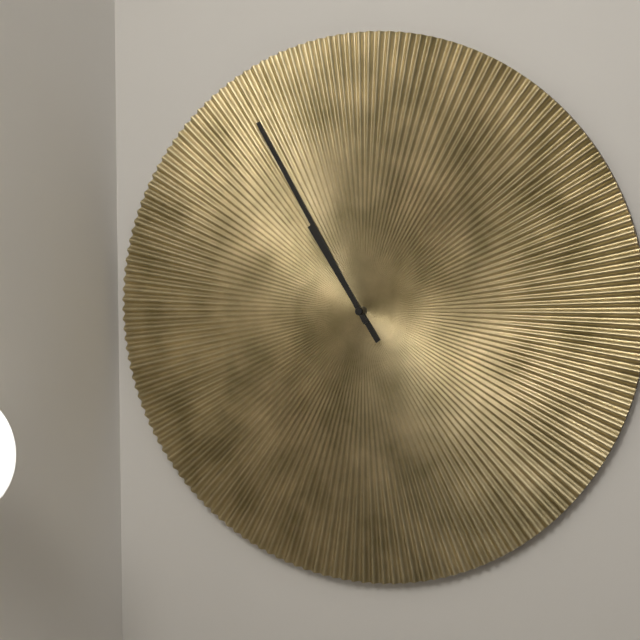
10:55
